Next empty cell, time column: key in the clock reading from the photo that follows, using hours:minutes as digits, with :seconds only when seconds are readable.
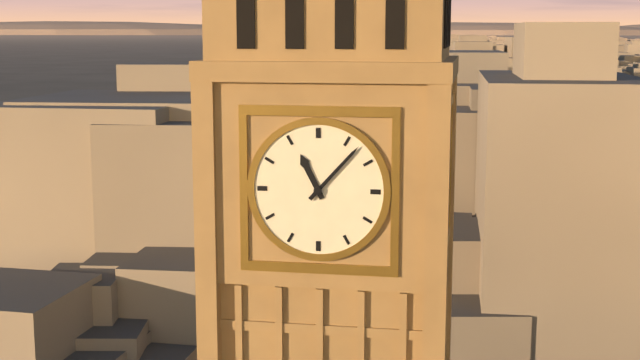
11:07
